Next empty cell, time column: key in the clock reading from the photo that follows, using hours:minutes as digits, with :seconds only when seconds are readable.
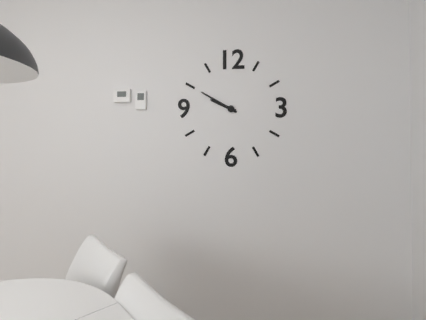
9:50
